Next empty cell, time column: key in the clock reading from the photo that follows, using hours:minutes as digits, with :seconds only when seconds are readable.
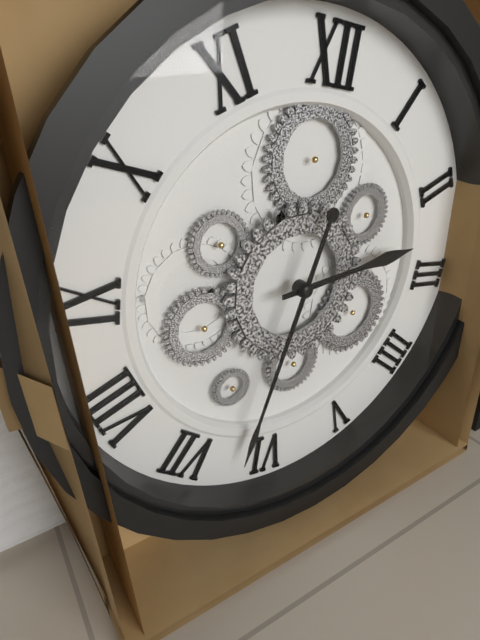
2:32
